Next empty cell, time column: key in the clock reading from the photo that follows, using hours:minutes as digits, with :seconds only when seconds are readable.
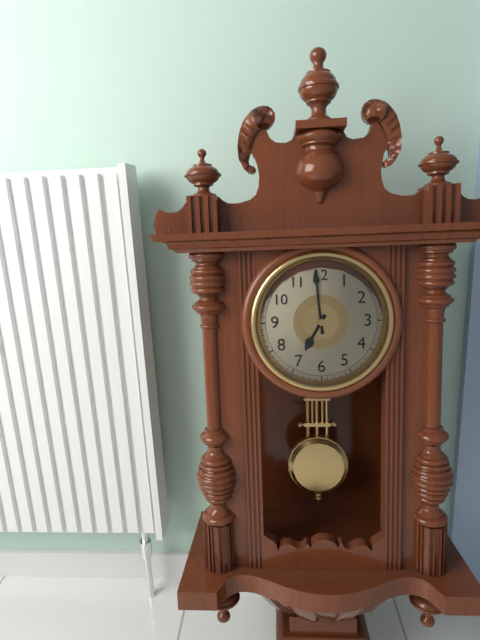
6:59
